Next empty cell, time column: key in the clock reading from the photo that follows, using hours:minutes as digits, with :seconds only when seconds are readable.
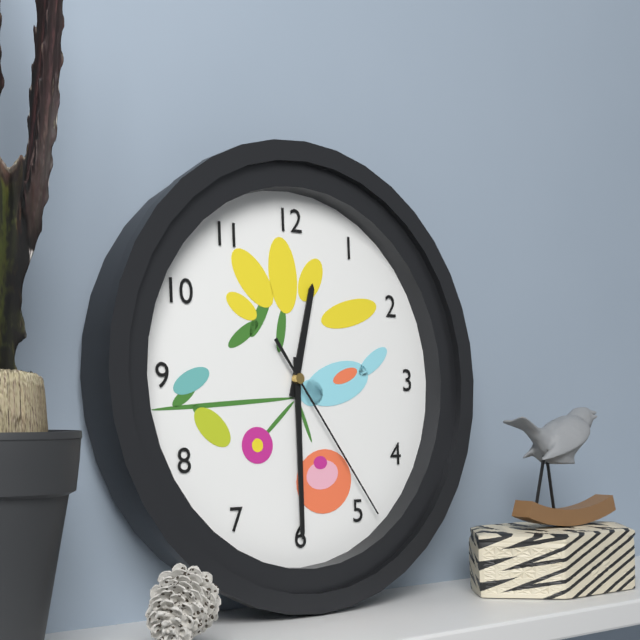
12:30:24
